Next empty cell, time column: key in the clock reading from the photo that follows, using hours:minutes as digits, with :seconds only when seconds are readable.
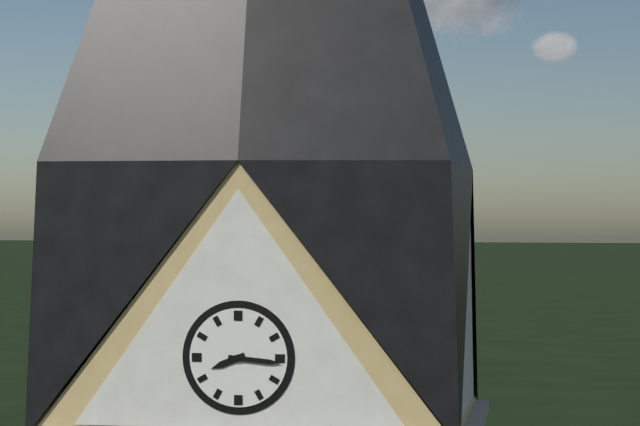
8:16
